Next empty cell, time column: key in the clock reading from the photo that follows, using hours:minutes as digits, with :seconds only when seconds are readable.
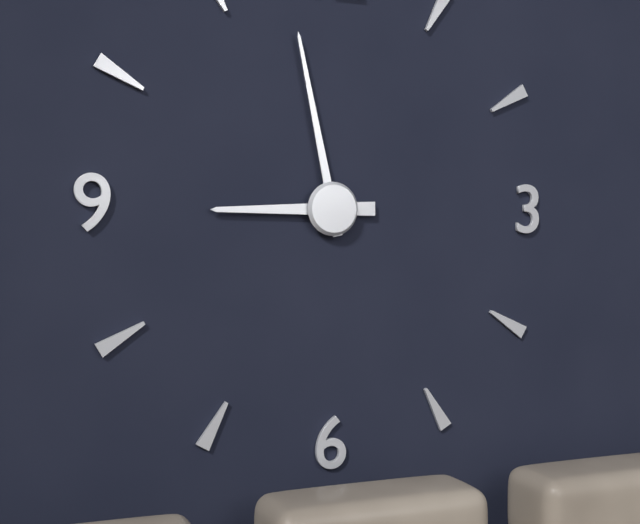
8:58
